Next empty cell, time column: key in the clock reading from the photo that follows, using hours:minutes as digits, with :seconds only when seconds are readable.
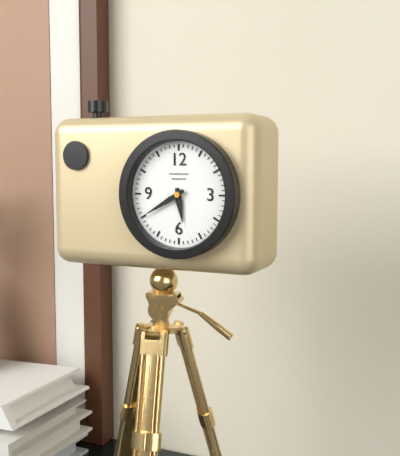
5:40
